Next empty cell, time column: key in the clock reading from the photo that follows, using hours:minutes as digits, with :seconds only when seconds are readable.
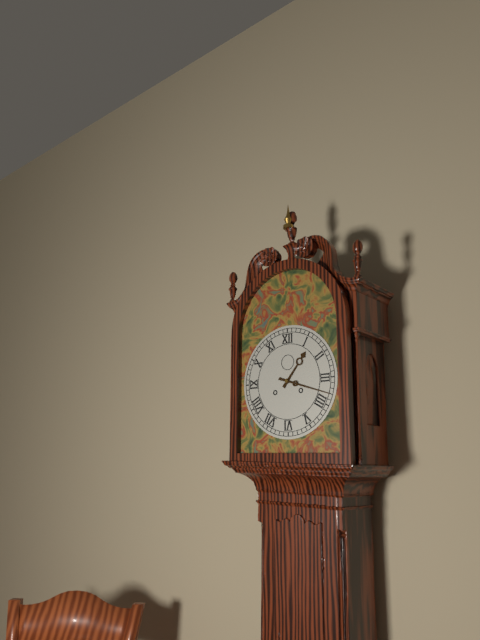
1:18
